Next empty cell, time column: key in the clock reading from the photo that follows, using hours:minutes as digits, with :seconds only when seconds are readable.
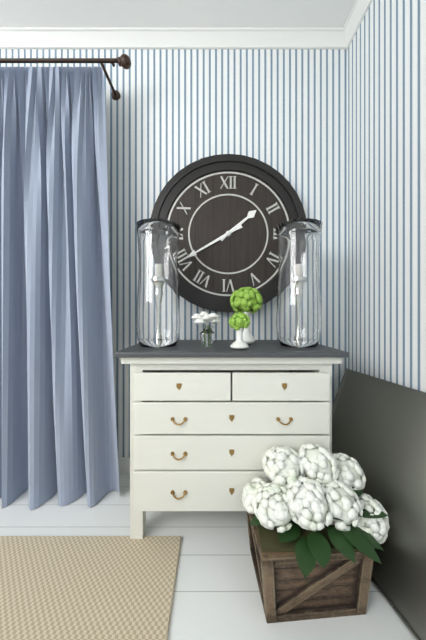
1:40
